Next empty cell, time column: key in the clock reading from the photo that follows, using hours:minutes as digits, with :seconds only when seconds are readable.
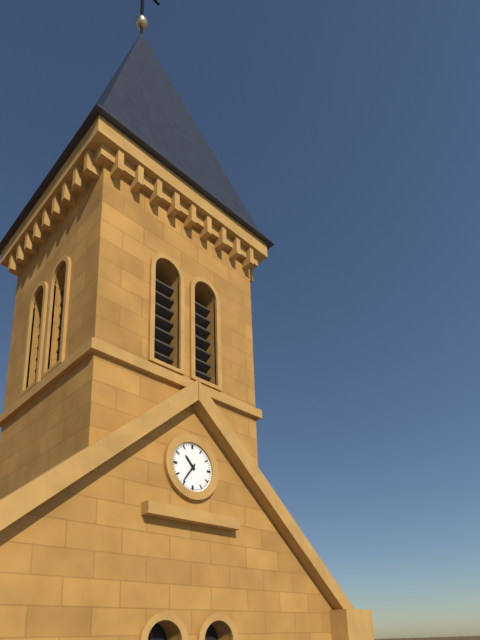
10:36
